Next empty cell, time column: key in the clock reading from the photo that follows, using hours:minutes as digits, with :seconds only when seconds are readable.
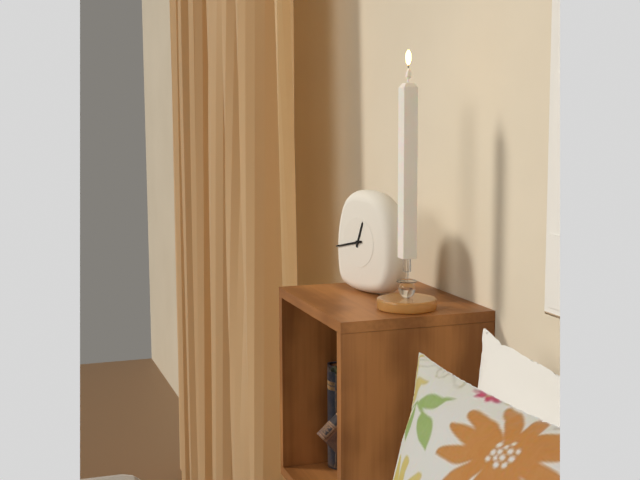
12:43
